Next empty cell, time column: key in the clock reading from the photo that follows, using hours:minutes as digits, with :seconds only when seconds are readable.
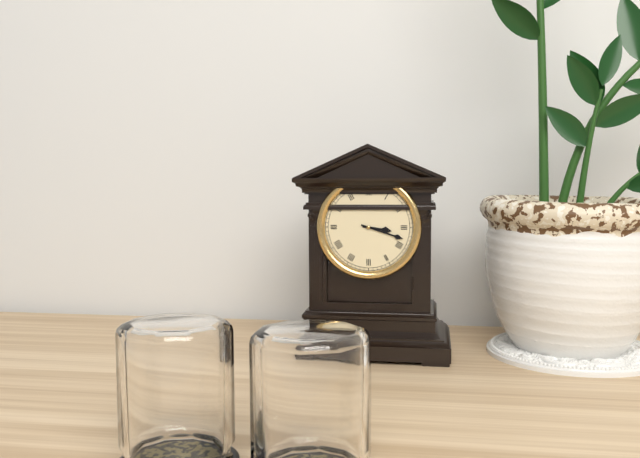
3:18
